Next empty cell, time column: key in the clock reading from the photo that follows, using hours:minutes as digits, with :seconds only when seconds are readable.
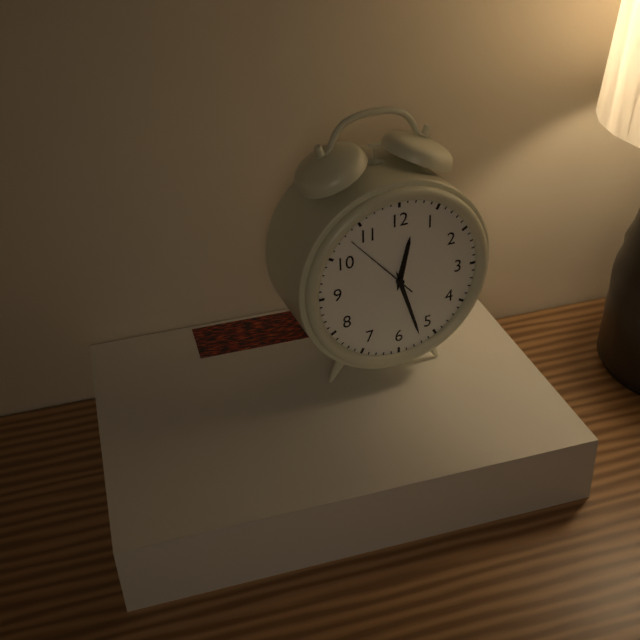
12:27:53
